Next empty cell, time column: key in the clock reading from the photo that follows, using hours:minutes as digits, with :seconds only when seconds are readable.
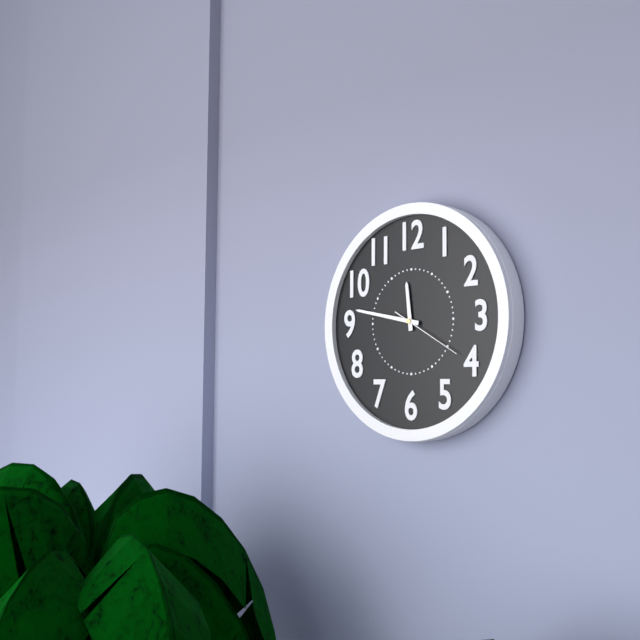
11:47:20
